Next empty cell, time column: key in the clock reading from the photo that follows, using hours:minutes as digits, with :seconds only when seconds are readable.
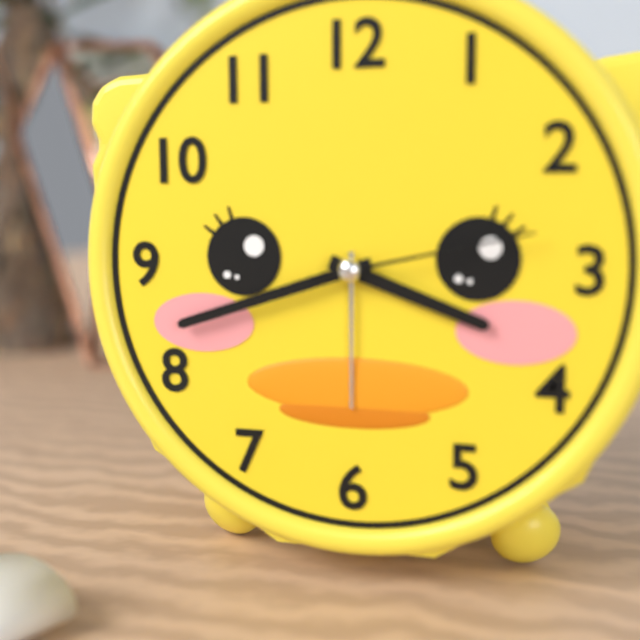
3:42:13
